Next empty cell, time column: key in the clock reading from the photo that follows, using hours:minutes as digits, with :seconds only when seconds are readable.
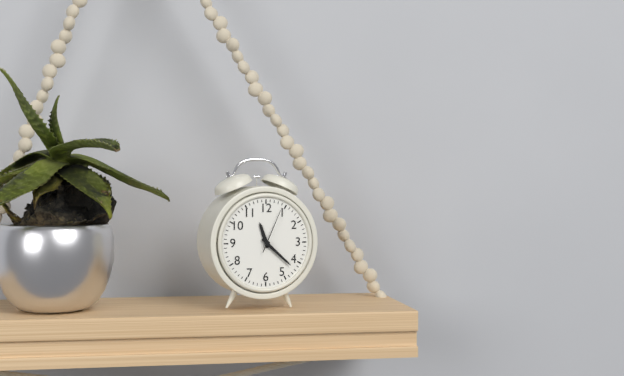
11:22
